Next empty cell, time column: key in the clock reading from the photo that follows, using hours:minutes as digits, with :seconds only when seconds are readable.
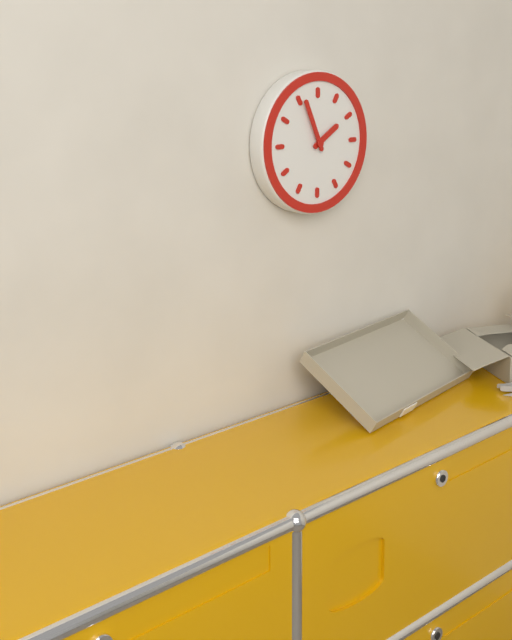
1:56
